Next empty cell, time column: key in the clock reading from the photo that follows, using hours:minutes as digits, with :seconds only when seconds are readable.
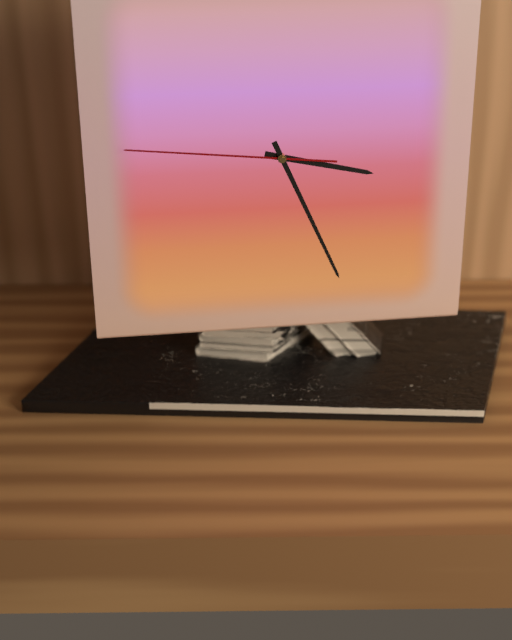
3:26:46
